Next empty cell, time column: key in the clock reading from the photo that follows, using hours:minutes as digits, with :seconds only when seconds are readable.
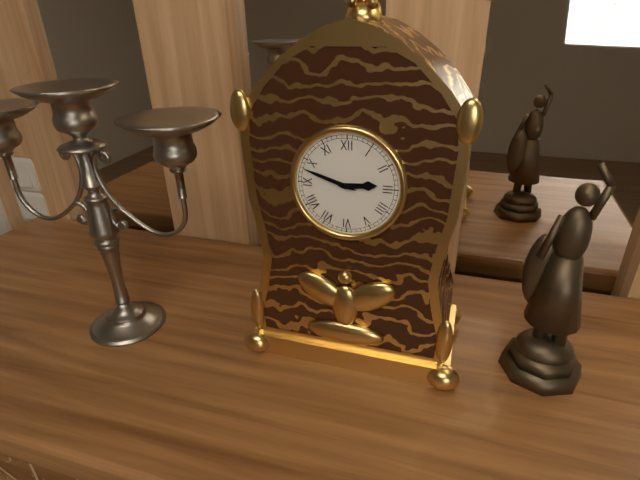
2:48
